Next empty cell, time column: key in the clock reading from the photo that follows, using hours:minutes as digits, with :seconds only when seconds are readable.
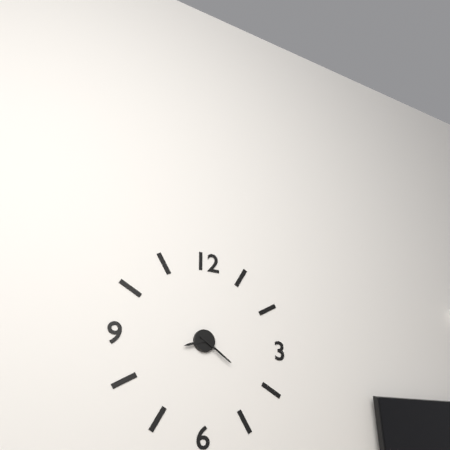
8:21
